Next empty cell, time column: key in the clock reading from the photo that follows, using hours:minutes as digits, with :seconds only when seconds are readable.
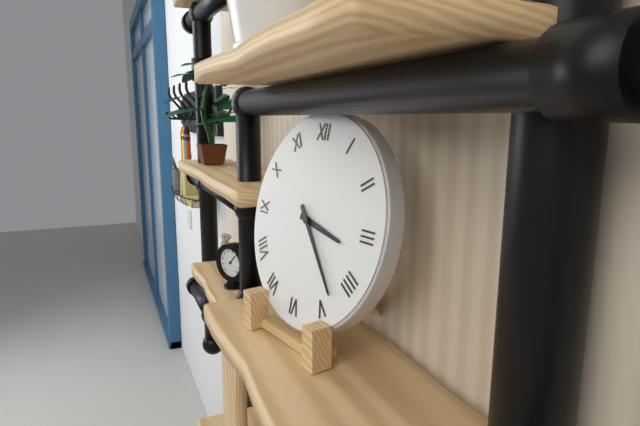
3:23
